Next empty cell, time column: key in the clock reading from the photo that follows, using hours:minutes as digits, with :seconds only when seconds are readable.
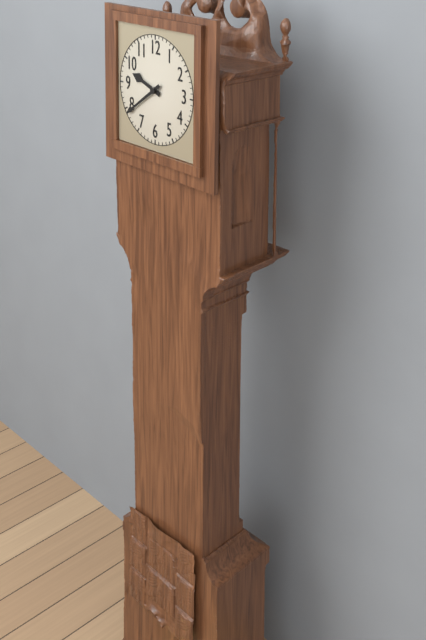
9:39
